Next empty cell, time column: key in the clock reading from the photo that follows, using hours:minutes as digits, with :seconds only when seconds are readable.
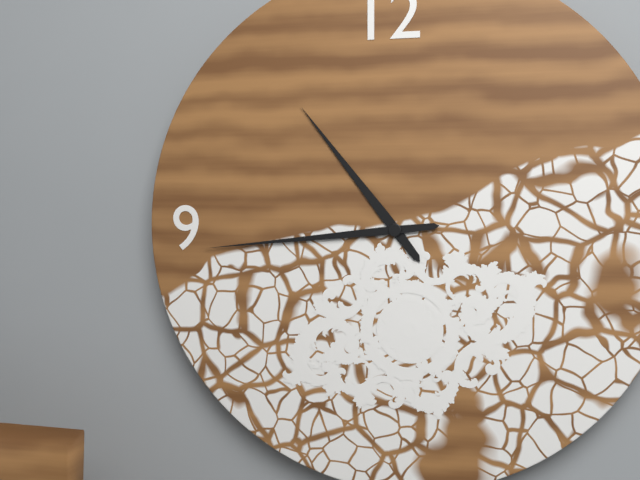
10:44
